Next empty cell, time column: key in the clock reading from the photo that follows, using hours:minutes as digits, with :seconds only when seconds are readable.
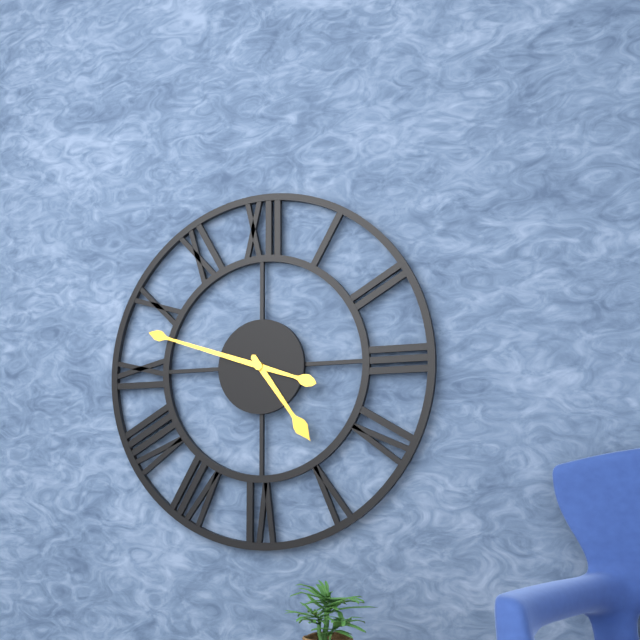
4:48
